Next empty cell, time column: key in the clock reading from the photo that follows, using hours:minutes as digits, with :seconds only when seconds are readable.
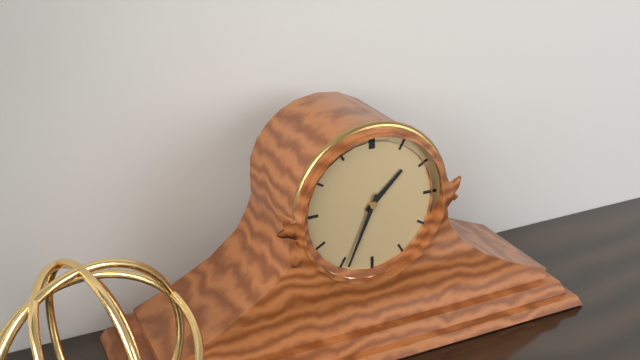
1:34
